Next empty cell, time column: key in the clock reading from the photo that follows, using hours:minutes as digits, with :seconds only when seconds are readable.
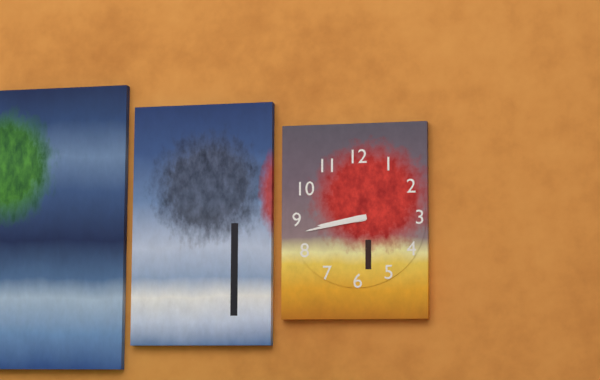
8:43
